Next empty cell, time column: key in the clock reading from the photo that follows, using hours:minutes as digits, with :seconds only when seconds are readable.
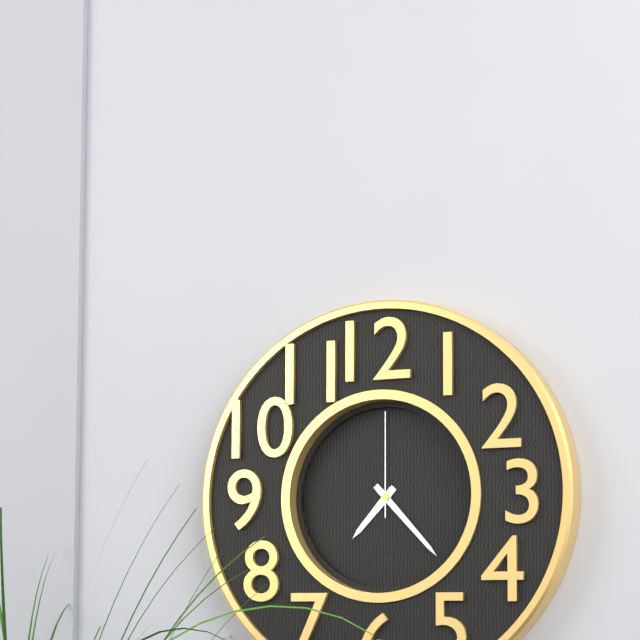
7:23:00
